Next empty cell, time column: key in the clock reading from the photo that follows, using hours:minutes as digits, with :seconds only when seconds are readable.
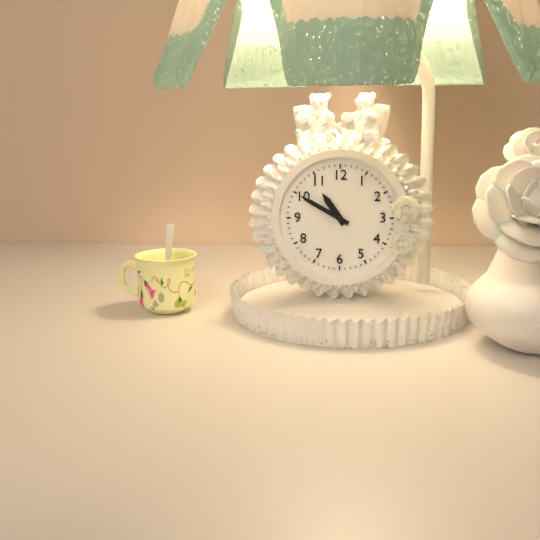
10:50
